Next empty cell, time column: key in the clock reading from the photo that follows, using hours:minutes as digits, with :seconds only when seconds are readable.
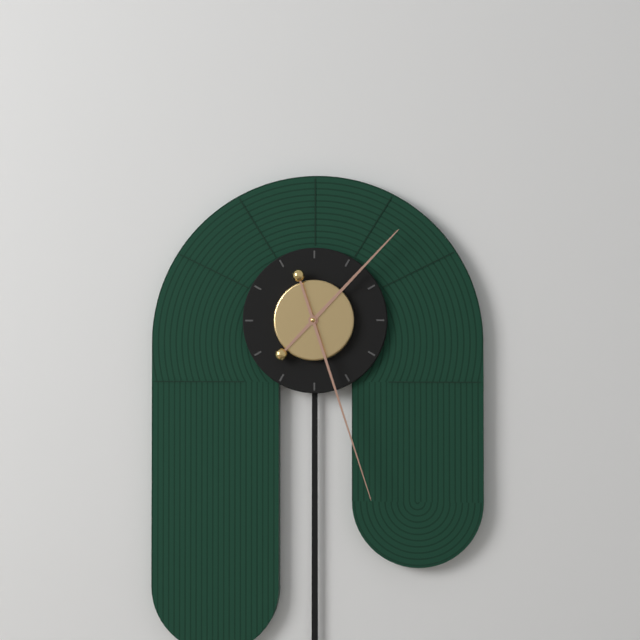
1:27
